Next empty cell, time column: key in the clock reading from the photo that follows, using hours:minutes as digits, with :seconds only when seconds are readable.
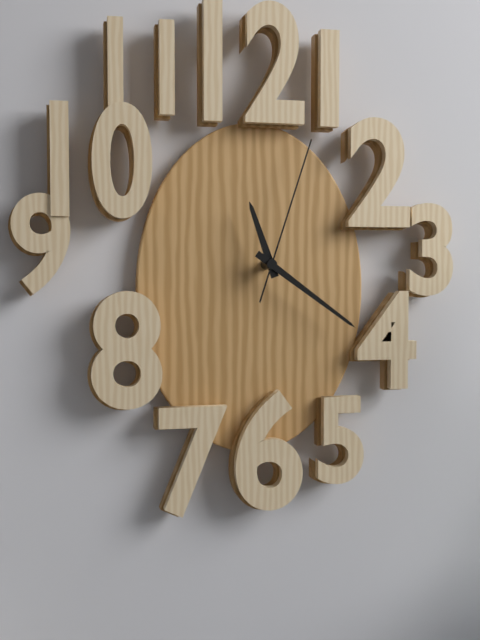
11:21:03
